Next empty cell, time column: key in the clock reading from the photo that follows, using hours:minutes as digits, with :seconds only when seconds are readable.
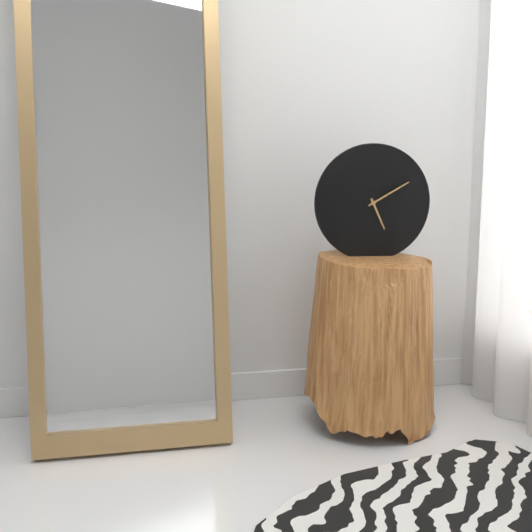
5:10
